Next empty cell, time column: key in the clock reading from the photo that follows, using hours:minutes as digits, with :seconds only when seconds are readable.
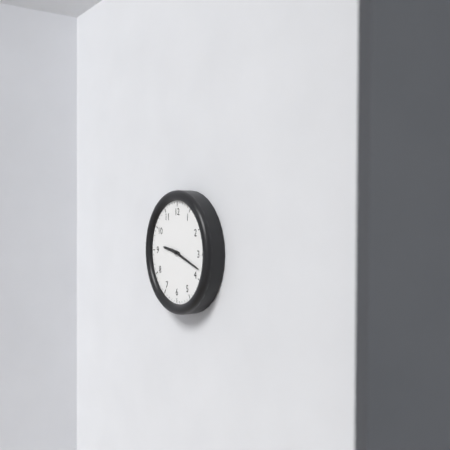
9:18
